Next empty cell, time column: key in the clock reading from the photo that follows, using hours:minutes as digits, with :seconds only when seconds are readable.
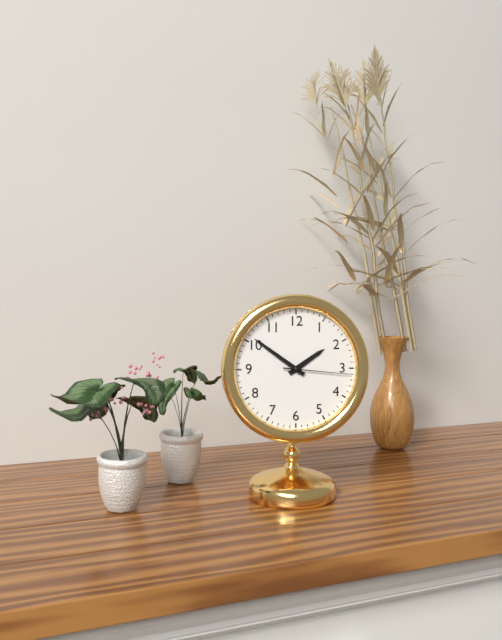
1:51:16
